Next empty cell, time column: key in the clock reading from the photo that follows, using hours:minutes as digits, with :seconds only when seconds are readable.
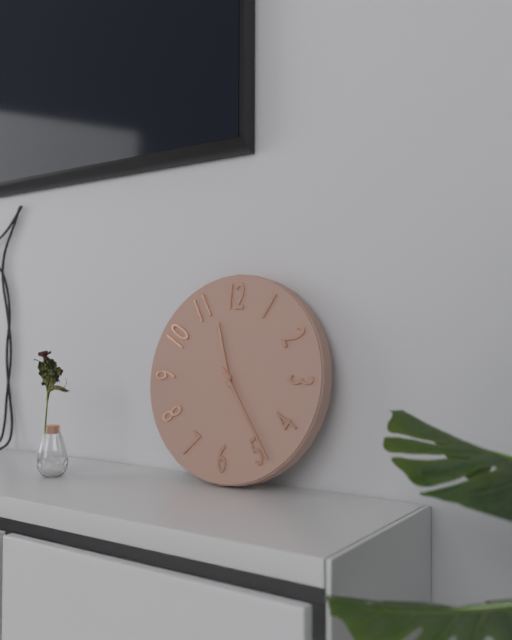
11:24
